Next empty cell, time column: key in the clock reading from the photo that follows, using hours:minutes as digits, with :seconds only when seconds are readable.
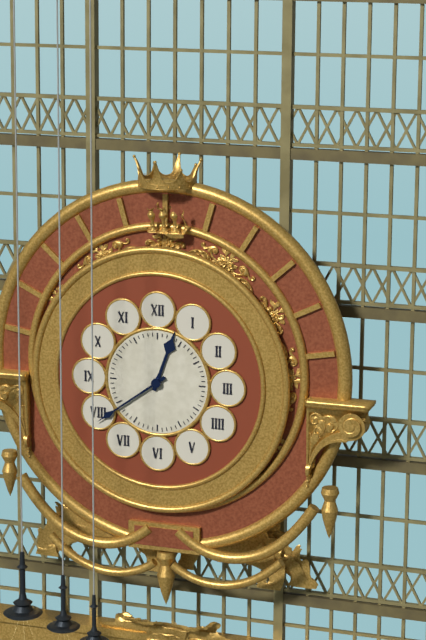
12:39
